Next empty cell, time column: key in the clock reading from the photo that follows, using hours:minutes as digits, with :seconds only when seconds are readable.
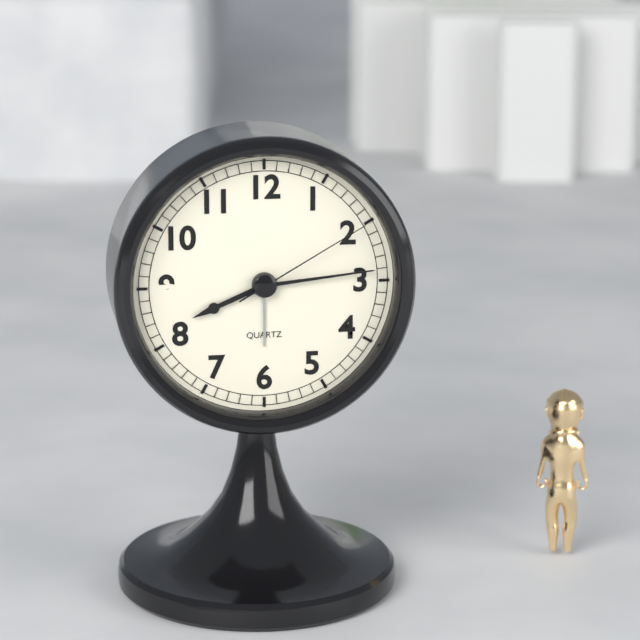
8:14:10
